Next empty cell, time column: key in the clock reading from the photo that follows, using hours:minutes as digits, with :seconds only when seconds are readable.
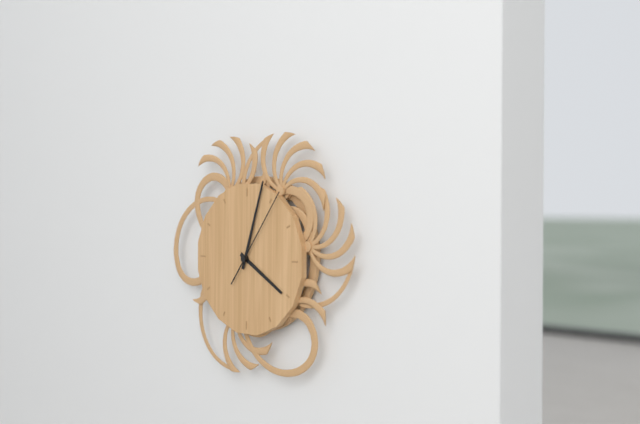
4:03:06
